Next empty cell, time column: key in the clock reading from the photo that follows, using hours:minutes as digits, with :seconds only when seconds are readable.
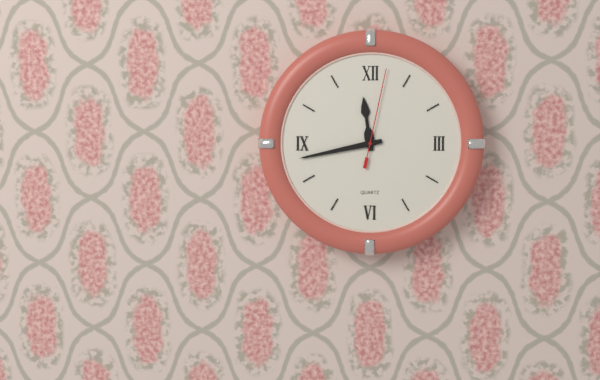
11:43:02
